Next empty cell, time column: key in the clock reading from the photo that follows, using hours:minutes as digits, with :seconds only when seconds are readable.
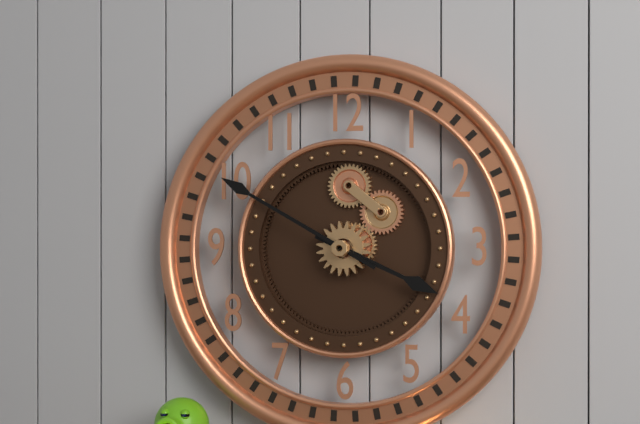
3:50
